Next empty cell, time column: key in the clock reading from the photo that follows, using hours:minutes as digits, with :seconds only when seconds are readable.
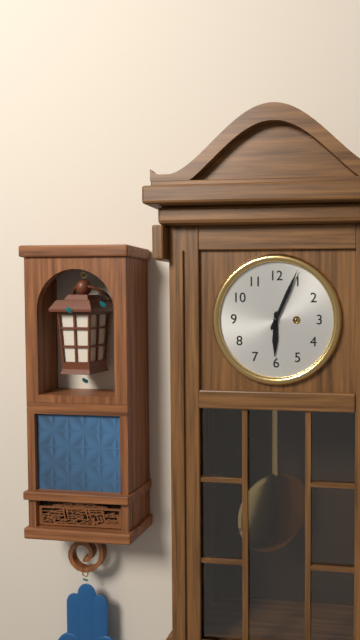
6:04
